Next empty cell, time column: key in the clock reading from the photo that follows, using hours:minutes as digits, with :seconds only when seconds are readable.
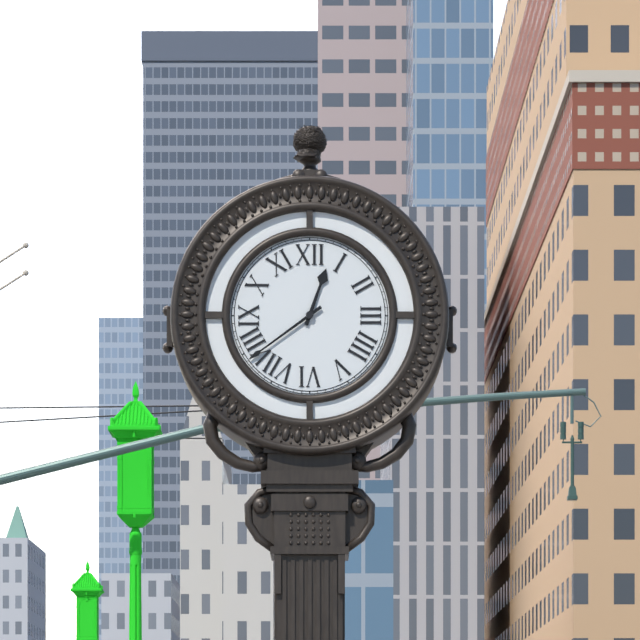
12:39
